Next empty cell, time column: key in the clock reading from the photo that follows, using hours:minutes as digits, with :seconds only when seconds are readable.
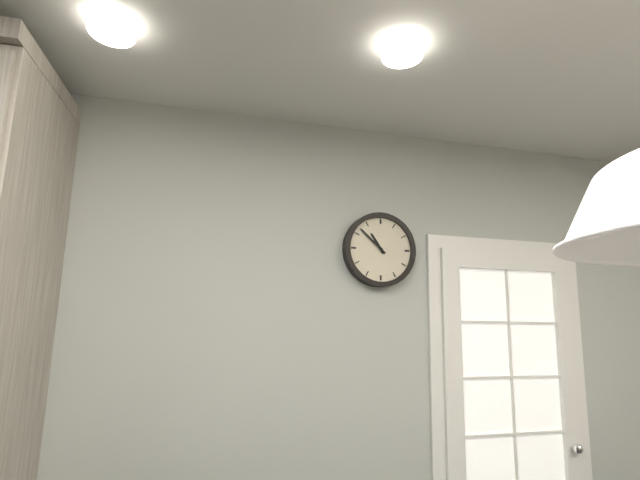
10:52
